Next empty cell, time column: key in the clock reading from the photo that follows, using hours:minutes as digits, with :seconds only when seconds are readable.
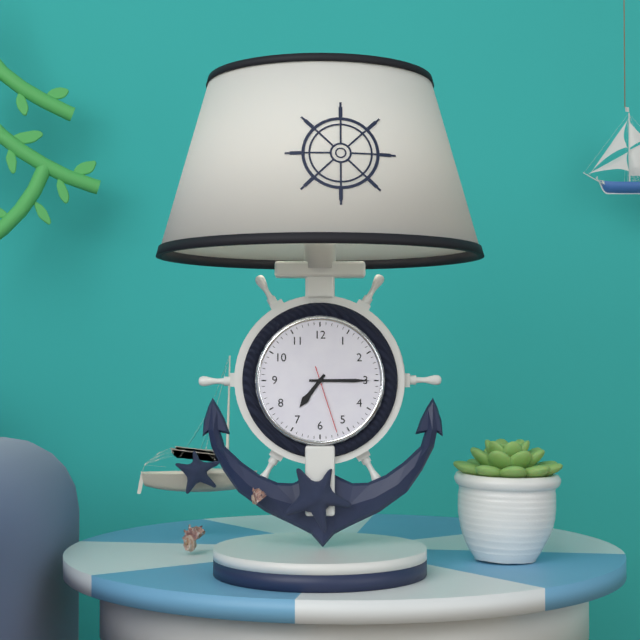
7:15:27
